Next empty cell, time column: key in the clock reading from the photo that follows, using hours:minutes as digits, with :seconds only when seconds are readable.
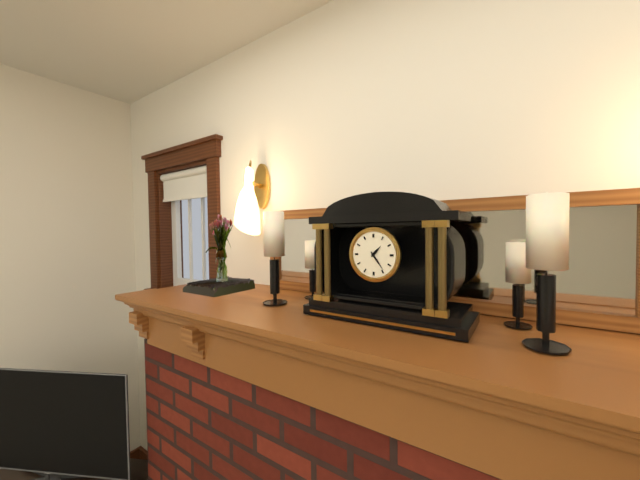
1:24
